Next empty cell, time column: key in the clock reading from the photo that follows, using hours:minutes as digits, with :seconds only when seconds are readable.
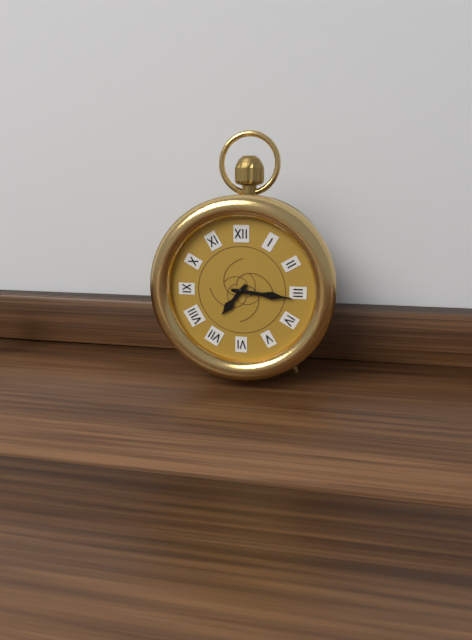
7:16
